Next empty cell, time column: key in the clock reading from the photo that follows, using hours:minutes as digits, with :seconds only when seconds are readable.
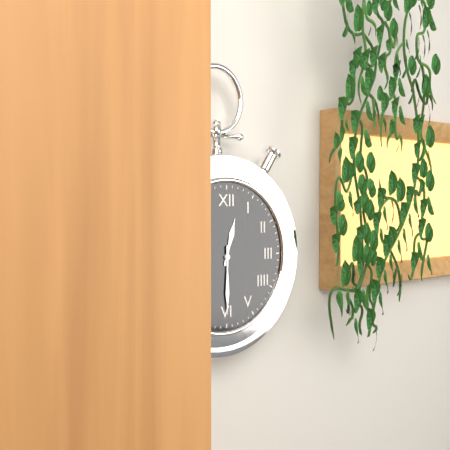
12:30
